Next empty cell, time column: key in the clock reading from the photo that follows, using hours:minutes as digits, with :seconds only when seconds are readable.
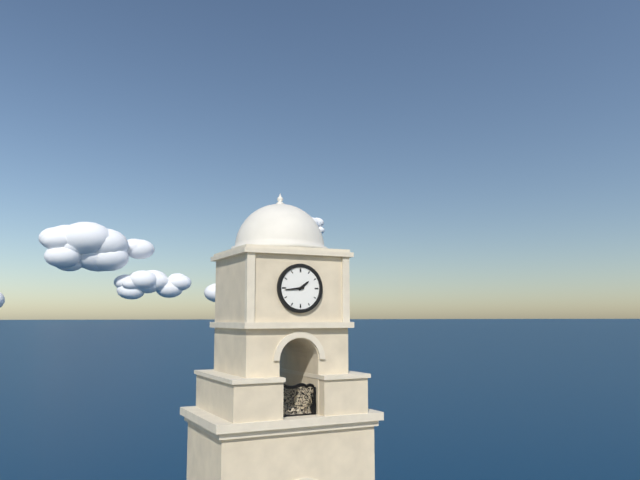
1:44
